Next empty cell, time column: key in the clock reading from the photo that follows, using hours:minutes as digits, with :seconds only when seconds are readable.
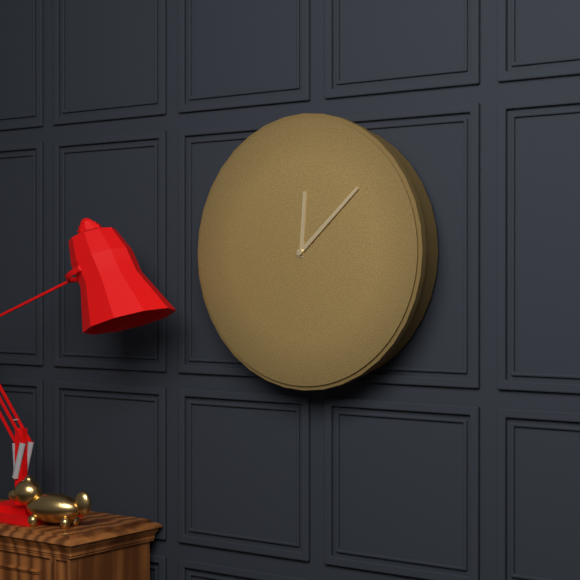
12:08
